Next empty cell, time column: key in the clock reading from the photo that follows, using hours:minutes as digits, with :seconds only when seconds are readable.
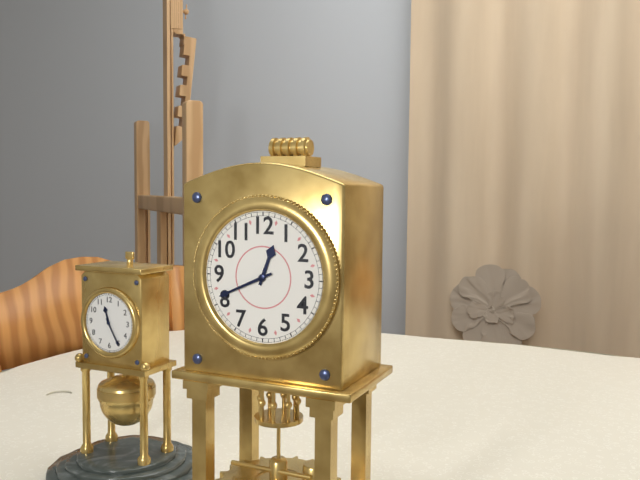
12:41
